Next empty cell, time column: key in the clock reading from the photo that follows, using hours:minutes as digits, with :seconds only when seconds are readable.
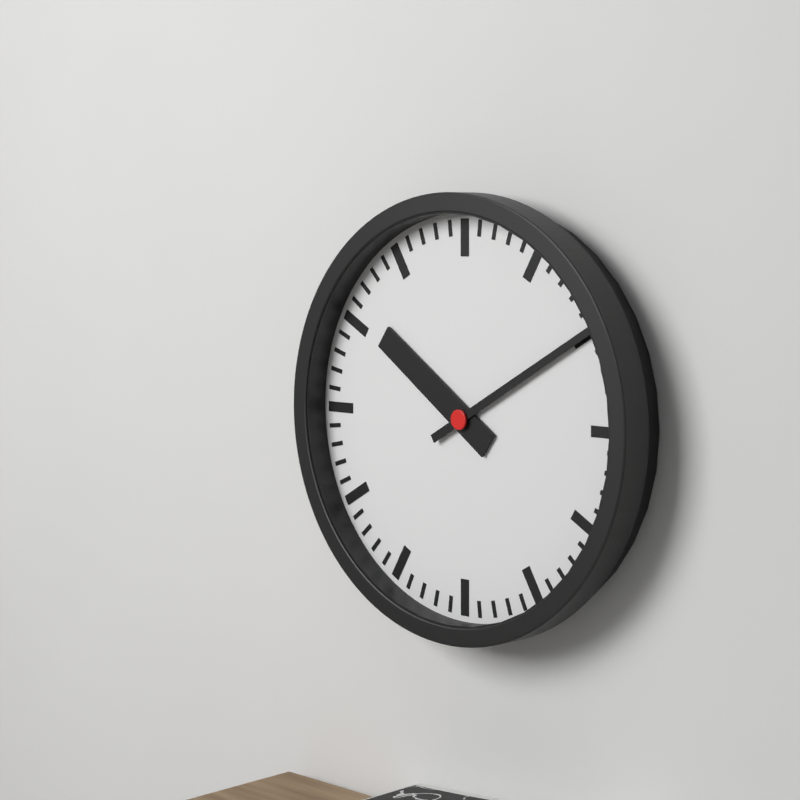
10:10
